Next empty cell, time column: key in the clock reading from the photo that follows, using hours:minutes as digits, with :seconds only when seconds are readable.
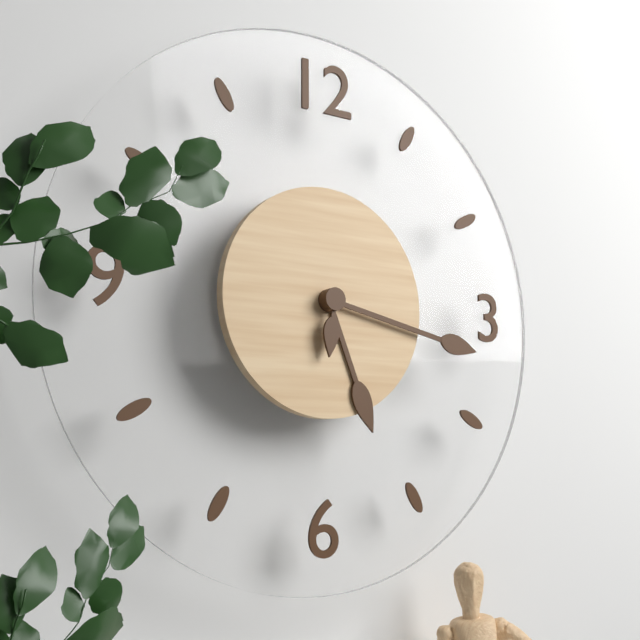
5:17:31
